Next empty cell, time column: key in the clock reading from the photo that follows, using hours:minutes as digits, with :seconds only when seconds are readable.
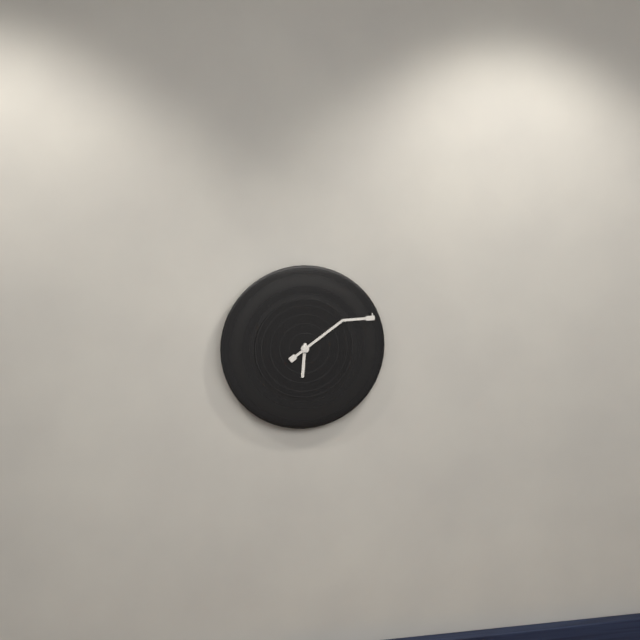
6:09
